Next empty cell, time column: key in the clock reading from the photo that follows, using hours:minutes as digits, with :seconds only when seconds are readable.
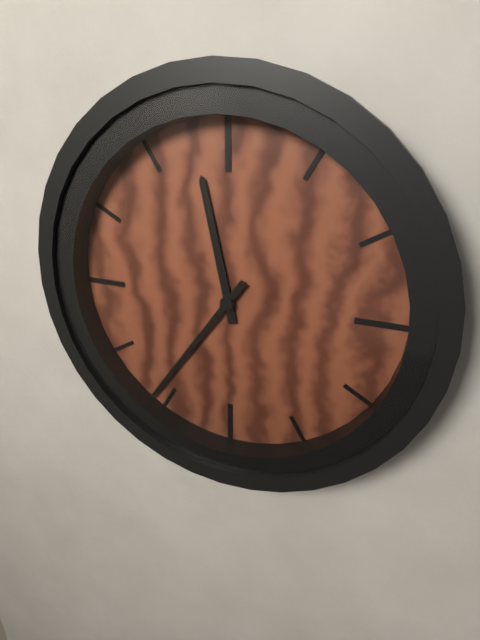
11:36
